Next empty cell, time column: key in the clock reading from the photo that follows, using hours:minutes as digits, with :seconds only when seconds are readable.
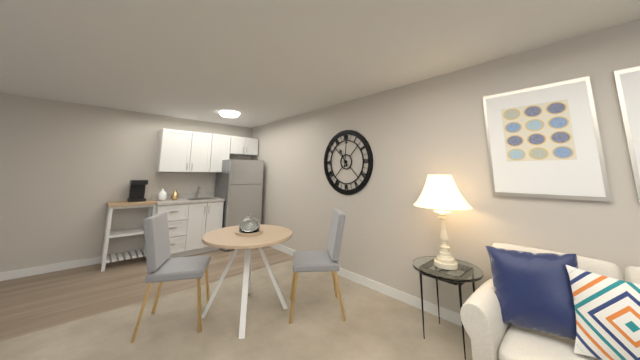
11:01
